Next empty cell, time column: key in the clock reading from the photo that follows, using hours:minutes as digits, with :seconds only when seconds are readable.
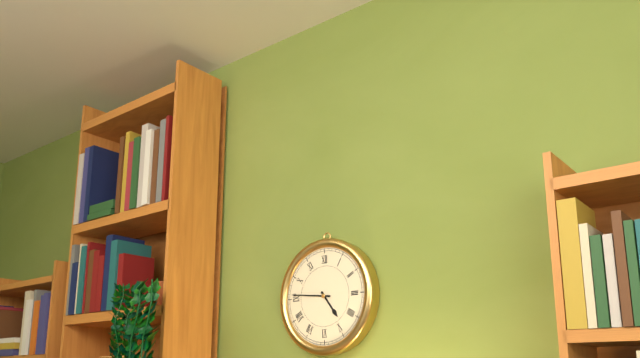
4:46
